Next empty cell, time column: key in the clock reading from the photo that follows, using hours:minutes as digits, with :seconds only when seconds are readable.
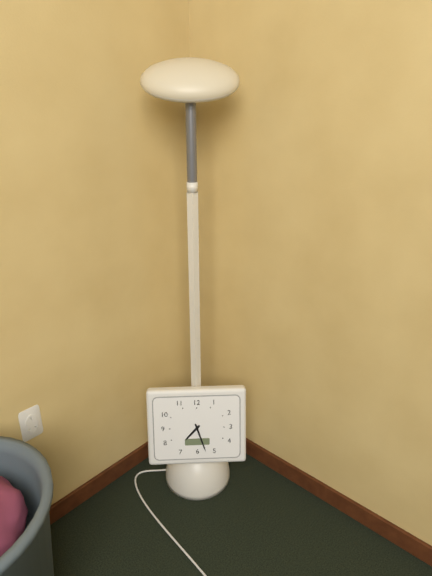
7:27
